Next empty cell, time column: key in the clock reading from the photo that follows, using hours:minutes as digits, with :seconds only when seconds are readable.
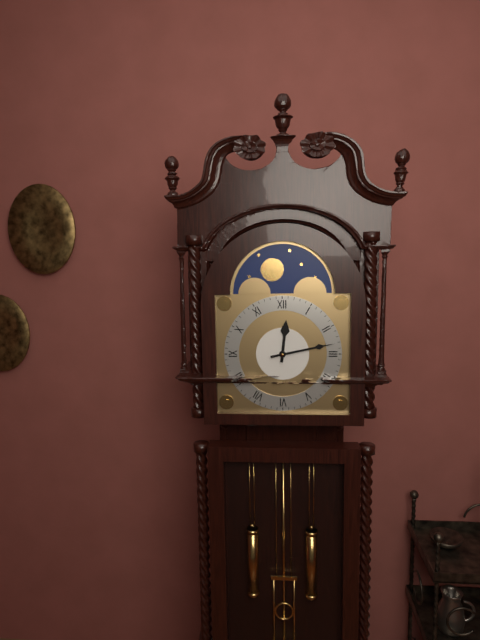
12:13
